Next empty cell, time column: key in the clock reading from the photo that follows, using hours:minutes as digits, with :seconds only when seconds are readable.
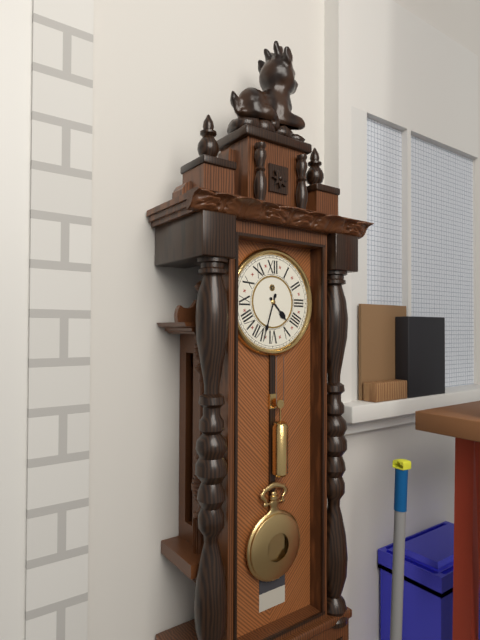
4:33
